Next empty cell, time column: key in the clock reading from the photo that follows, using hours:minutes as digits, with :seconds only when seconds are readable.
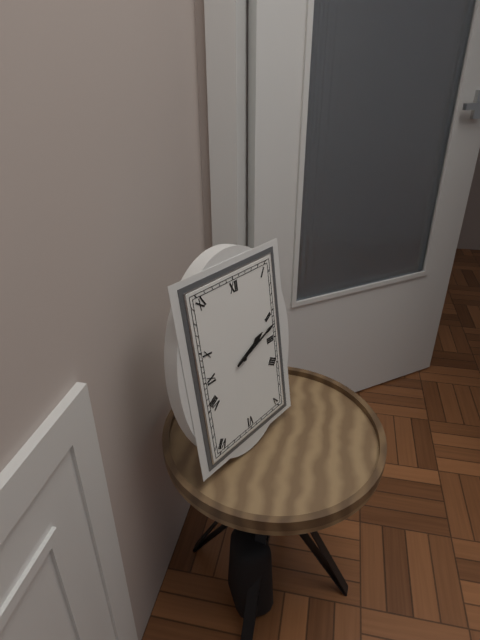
2:12
